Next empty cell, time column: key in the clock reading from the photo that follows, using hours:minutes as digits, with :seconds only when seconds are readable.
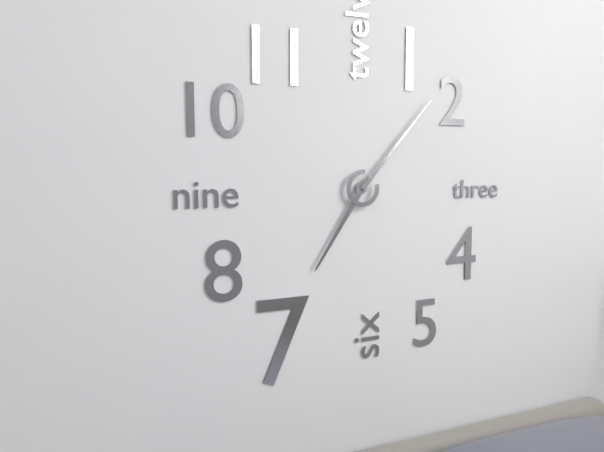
7:07
